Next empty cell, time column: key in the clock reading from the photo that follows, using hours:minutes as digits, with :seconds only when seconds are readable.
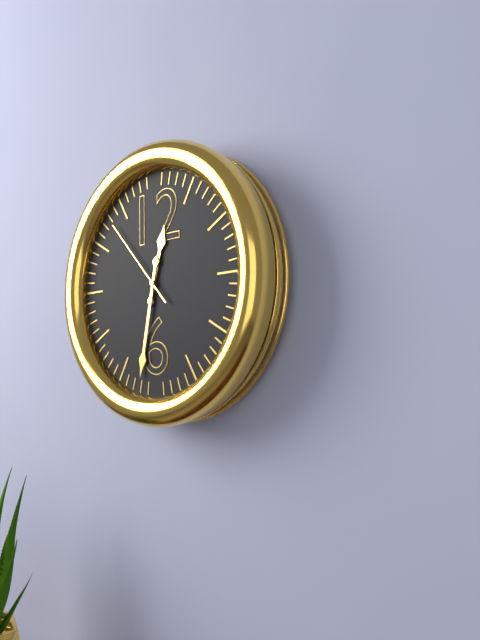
12:32:53
